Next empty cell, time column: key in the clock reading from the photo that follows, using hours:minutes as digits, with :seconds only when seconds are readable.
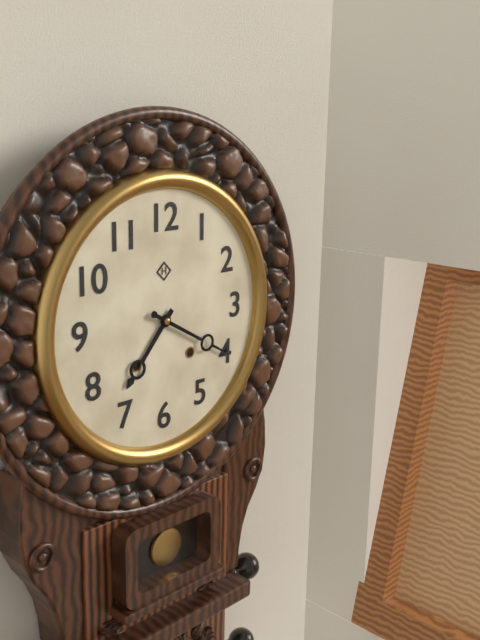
7:20
